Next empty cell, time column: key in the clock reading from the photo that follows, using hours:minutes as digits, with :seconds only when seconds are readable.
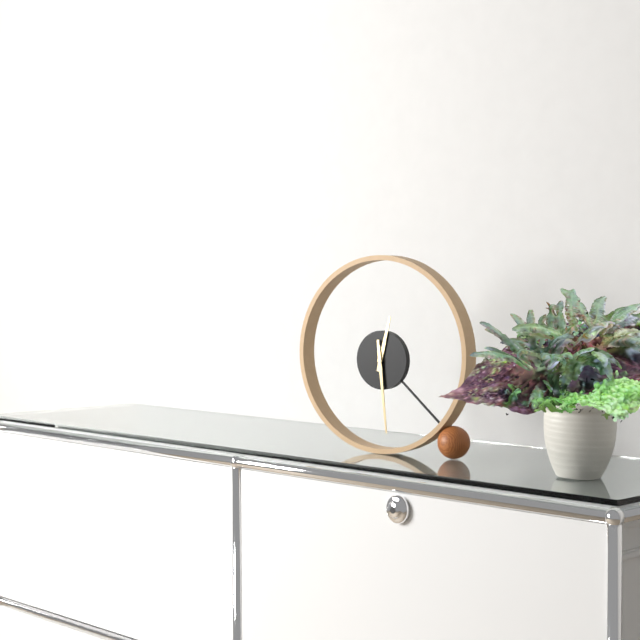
12:29
